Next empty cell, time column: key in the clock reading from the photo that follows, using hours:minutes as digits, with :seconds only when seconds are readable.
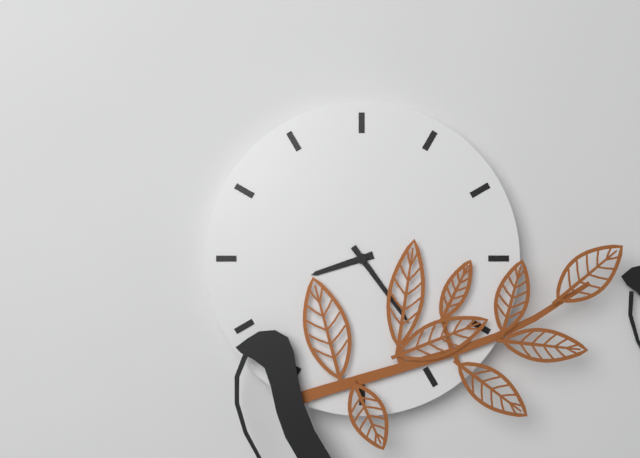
8:24
